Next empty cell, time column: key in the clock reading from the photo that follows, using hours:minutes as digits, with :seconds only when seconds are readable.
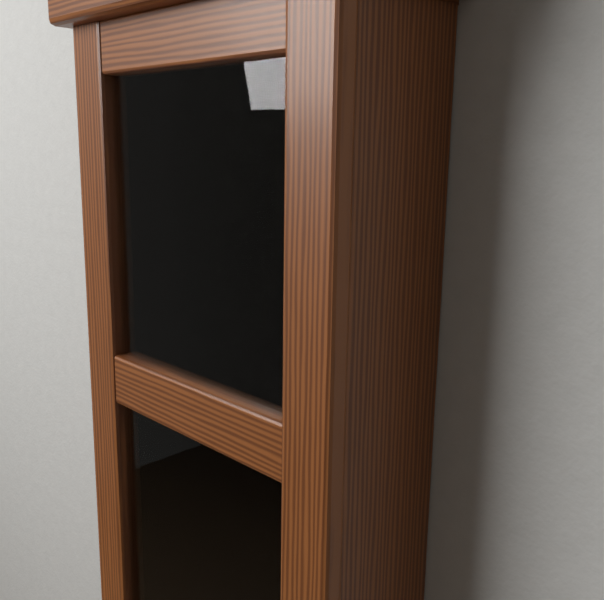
3:38
